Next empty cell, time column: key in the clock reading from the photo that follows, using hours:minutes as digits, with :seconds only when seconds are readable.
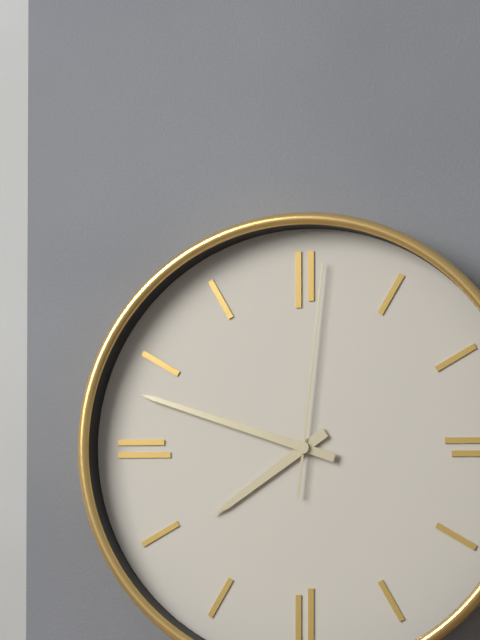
7:48:01
